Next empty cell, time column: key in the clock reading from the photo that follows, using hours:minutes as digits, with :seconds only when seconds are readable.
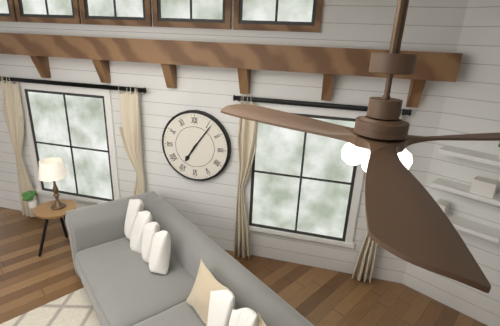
7:06
